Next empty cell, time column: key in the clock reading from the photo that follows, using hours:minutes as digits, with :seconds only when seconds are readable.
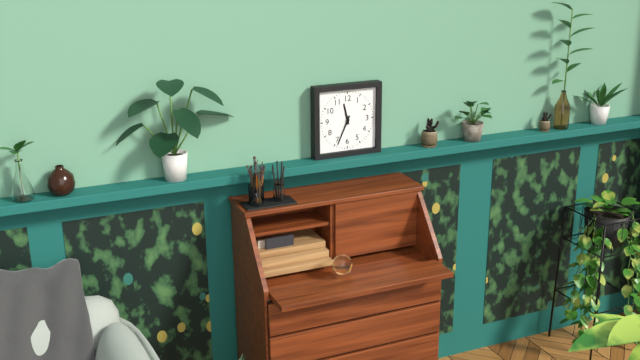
11:34
